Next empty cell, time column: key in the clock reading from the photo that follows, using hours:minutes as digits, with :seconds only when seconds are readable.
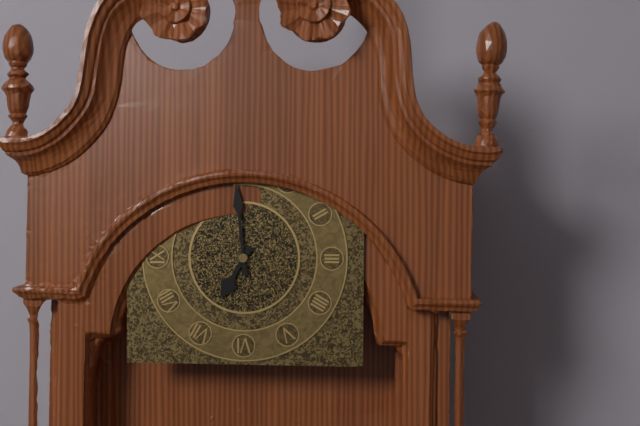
6:59
